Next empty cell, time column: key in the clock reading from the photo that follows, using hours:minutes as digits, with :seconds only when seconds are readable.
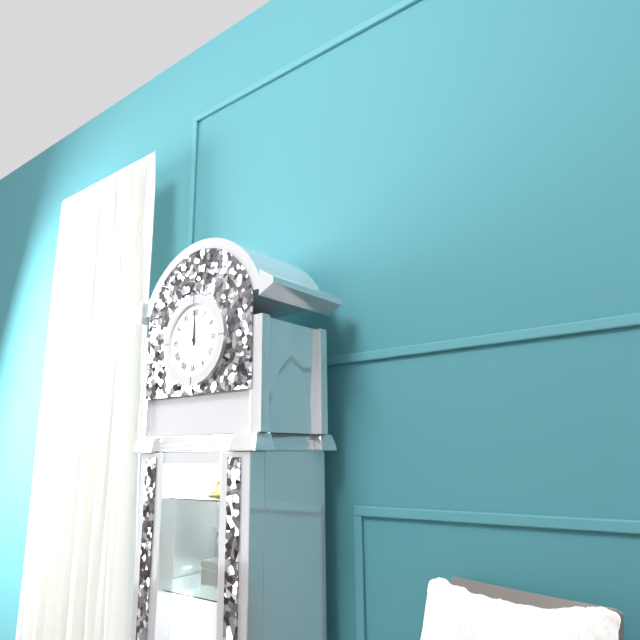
12:00
